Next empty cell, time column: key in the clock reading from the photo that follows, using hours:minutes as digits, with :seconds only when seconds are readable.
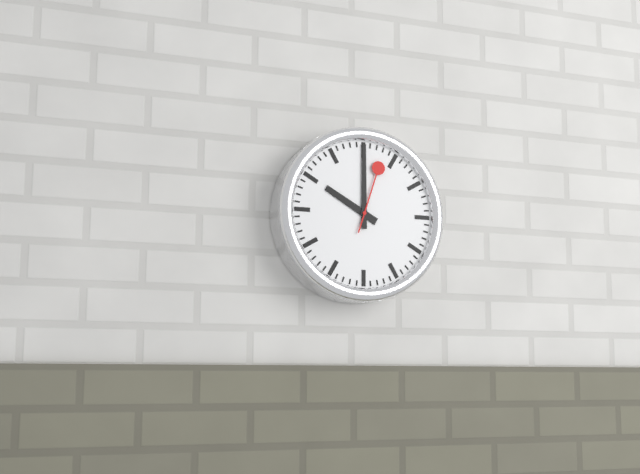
10:00:03
